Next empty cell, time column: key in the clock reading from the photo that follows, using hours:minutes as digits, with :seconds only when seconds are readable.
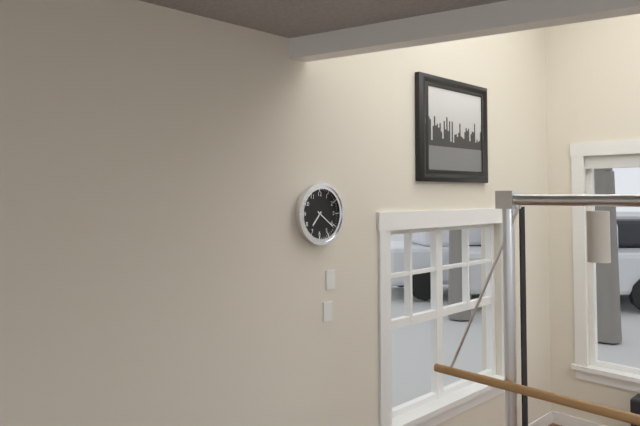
7:21
